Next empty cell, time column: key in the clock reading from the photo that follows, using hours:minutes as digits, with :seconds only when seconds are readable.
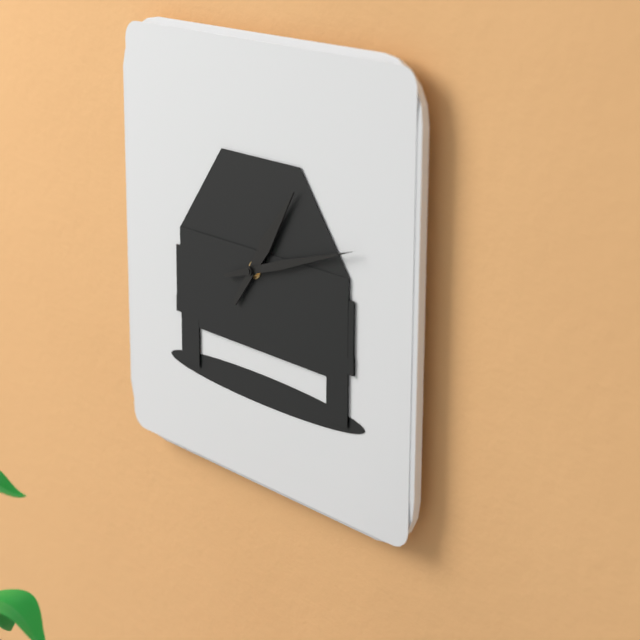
1:12
